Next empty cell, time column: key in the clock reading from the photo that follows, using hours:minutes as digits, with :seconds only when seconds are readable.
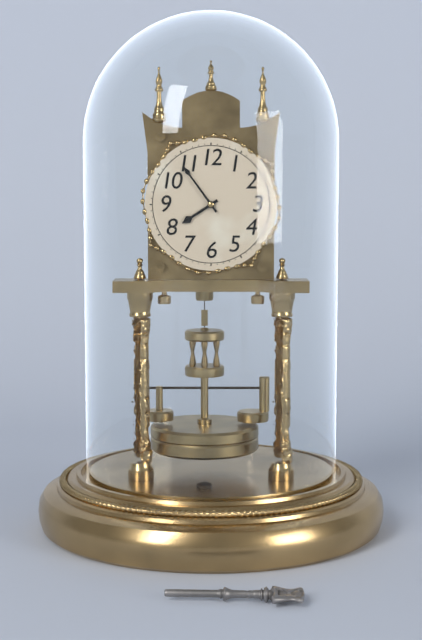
7:54
